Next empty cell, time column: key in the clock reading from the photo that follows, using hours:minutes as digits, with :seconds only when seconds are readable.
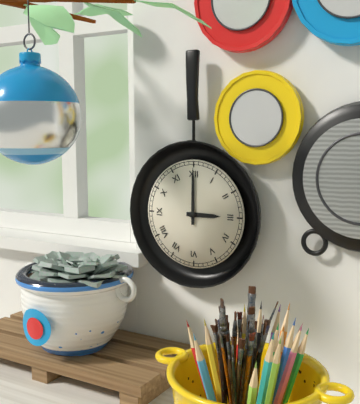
3:00
